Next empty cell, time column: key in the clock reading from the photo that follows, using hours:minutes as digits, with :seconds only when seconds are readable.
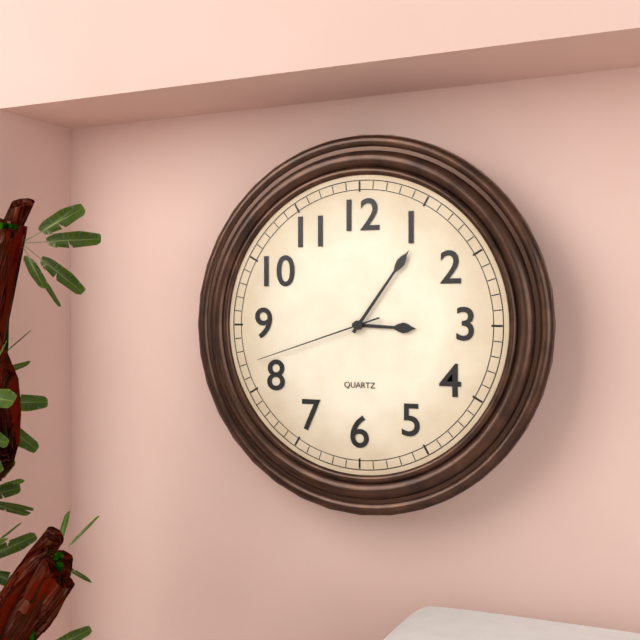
3:06:42
